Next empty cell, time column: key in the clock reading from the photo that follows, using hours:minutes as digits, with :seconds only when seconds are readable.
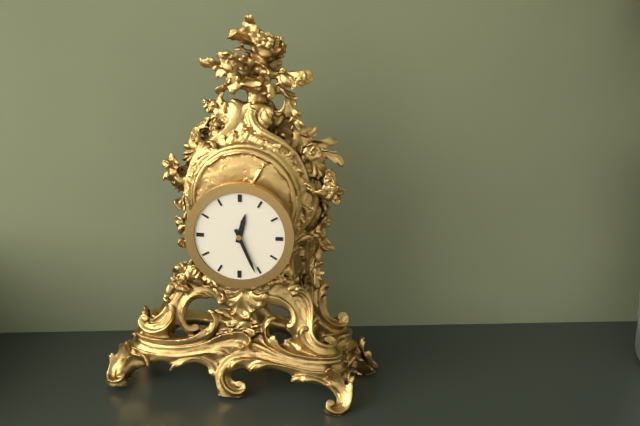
12:26
